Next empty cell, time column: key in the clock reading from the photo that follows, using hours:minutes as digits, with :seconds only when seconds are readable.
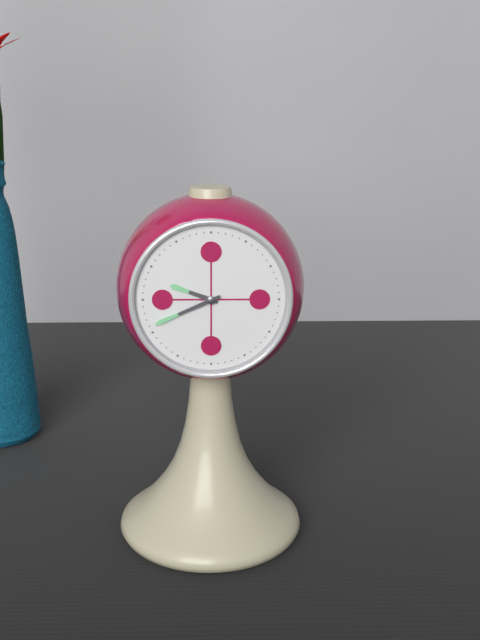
9:41
